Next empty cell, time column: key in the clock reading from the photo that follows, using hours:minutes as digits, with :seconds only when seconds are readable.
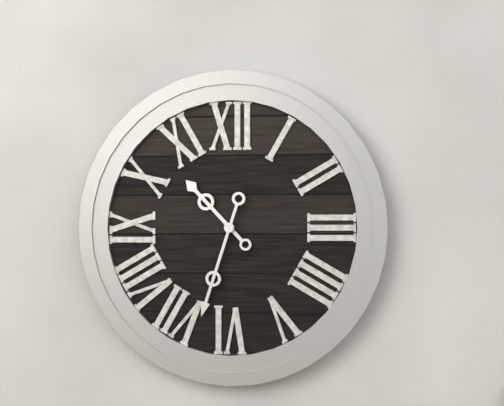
10:33
